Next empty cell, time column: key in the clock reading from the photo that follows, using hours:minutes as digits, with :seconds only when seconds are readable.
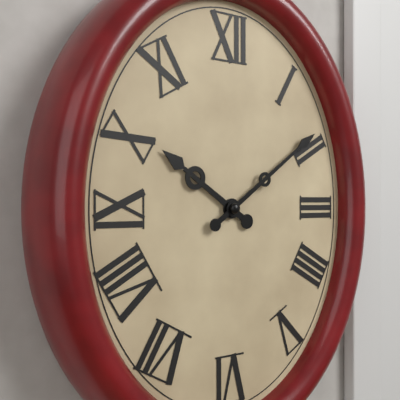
10:09
